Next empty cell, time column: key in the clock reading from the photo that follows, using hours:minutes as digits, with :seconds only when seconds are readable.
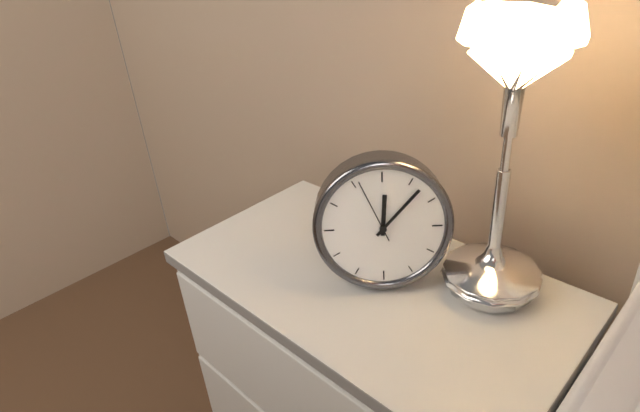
12:07:56
